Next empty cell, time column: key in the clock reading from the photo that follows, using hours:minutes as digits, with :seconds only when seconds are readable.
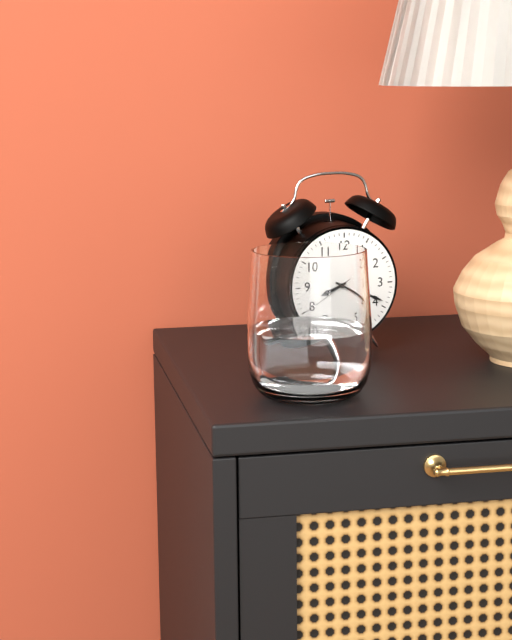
8:19:40
